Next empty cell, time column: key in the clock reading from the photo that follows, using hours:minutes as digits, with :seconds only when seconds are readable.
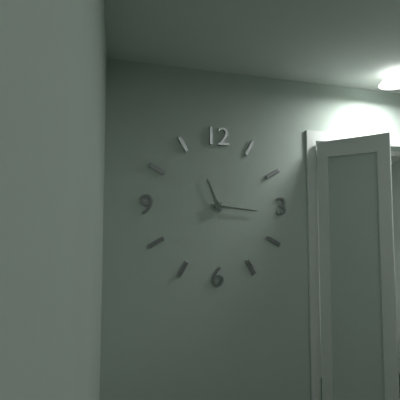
11:16
